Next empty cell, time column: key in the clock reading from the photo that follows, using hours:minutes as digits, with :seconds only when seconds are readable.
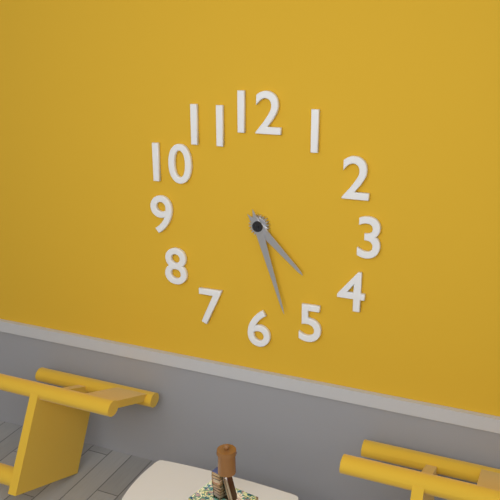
4:27
